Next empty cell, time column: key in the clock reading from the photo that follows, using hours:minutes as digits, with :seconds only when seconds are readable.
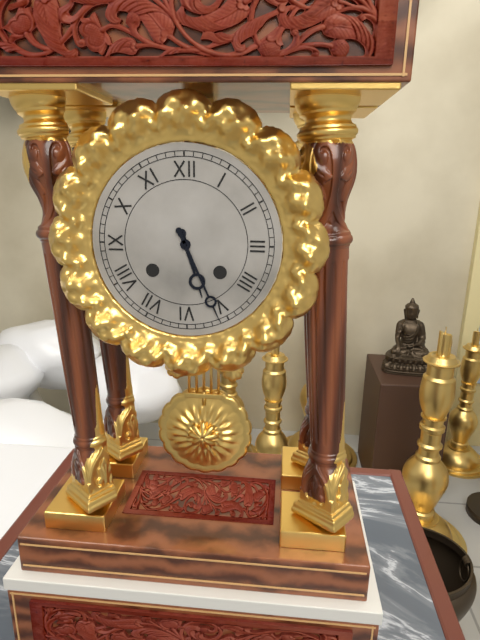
5:26
